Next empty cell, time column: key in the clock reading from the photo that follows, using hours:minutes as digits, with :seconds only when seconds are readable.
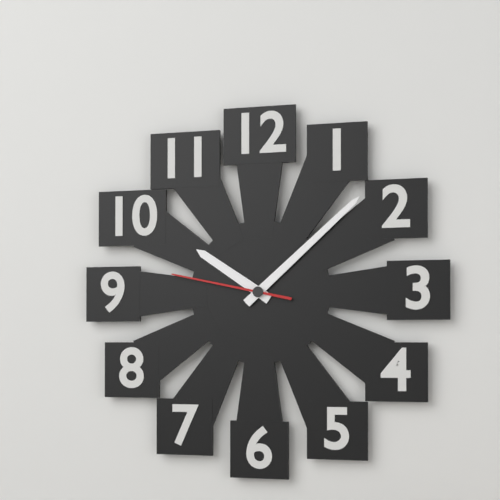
10:08:47
